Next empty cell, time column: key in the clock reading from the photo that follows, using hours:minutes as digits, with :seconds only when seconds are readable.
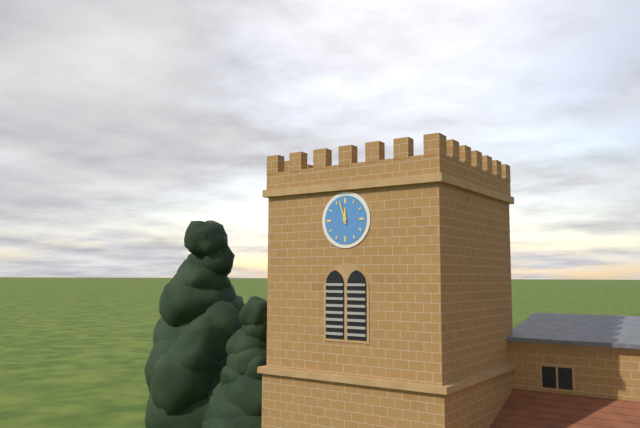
11:57
